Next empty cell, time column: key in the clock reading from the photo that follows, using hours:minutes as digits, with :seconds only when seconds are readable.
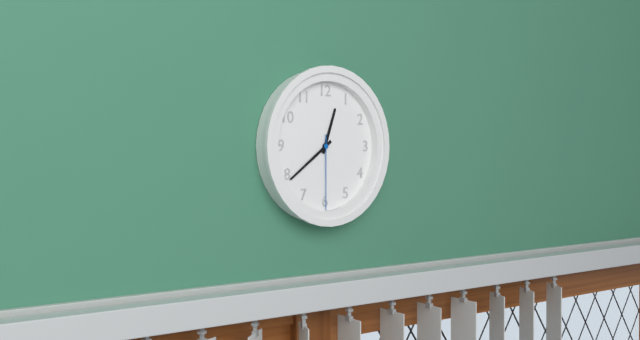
12:39:30
